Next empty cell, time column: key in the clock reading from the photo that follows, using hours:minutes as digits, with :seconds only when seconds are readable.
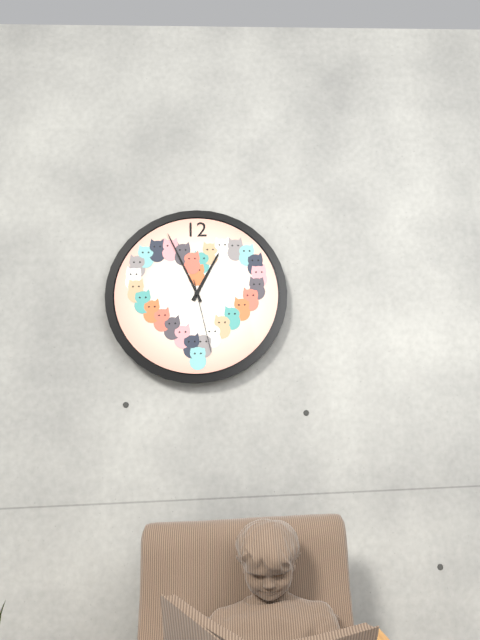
12:56:28
